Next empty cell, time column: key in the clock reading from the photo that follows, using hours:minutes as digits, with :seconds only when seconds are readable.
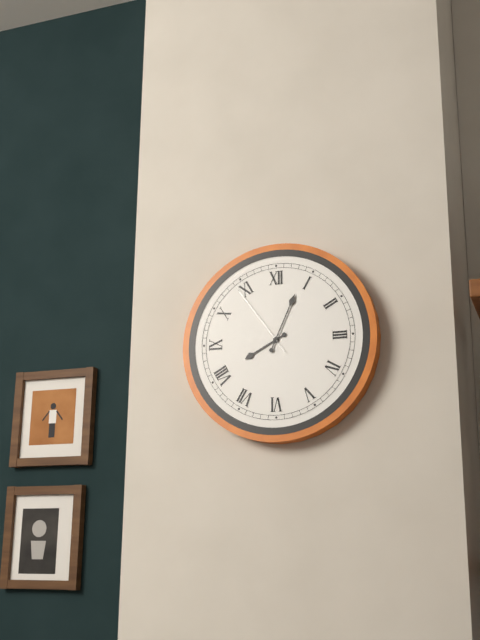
8:04:54
